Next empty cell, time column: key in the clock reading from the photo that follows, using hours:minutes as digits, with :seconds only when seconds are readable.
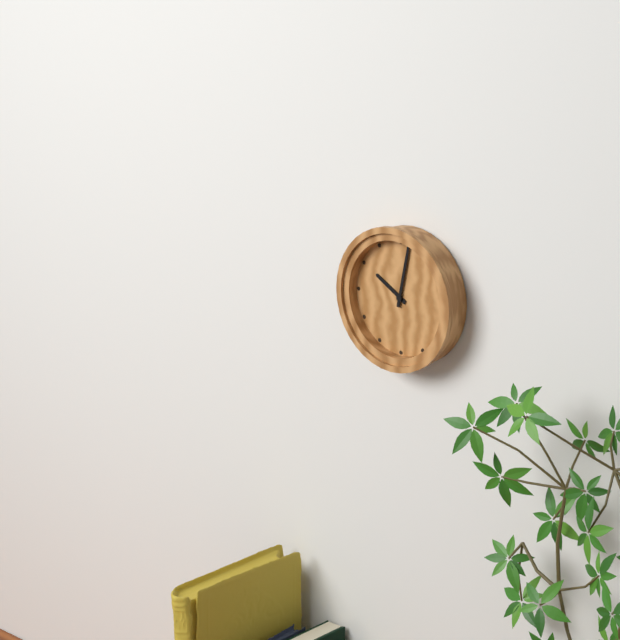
10:02
